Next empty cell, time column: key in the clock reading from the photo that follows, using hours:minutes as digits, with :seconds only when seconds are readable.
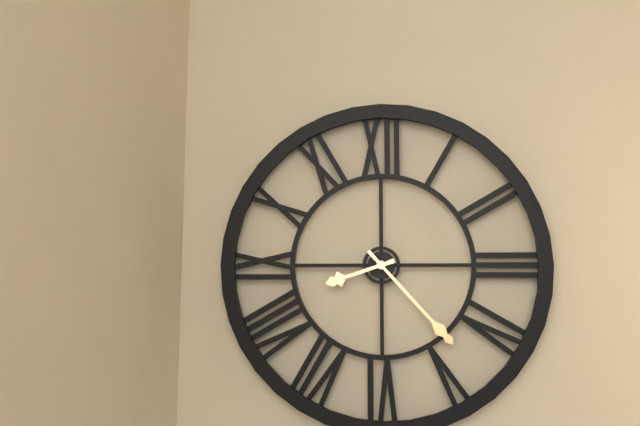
8:23
